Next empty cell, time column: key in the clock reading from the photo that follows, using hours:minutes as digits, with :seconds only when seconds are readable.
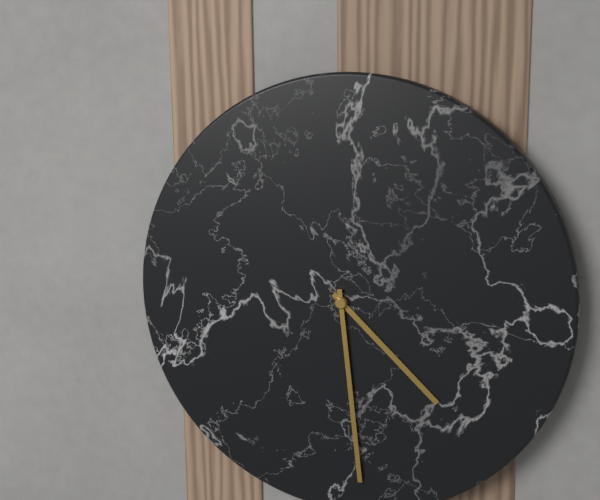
4:29
